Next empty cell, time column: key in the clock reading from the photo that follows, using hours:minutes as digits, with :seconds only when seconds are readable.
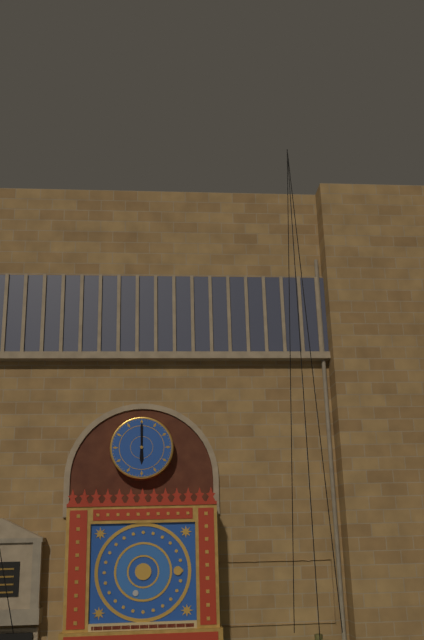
6:00
